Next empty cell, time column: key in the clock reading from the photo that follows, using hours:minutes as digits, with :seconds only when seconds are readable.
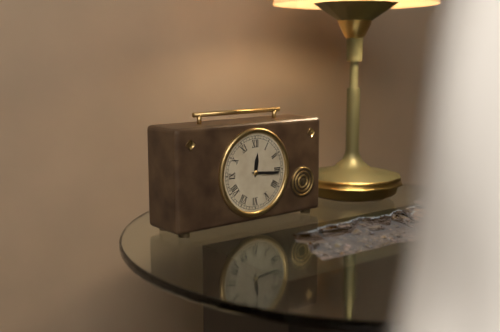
12:16
